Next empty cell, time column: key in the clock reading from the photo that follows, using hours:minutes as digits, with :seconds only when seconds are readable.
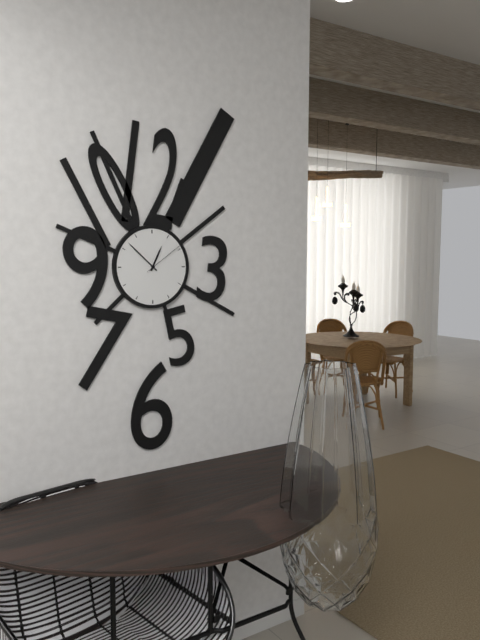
12:52
